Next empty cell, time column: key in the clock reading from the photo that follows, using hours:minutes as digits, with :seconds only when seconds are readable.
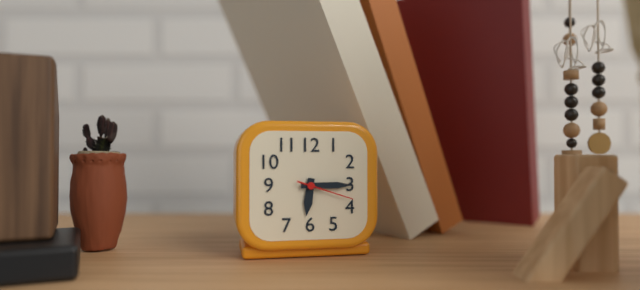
6:15:18
